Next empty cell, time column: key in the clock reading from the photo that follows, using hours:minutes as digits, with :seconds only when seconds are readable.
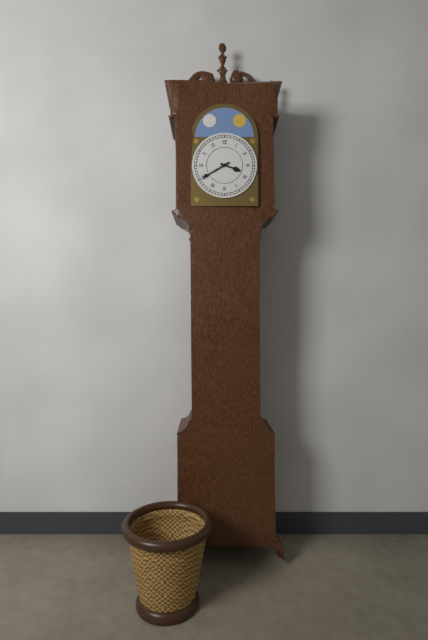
3:40
